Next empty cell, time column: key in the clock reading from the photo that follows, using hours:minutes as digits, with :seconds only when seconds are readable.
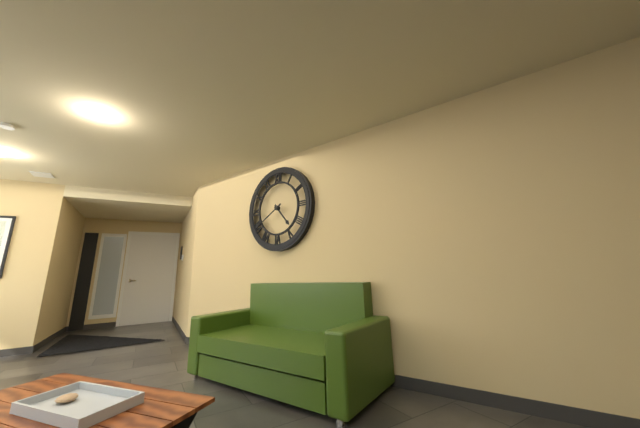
4:40
